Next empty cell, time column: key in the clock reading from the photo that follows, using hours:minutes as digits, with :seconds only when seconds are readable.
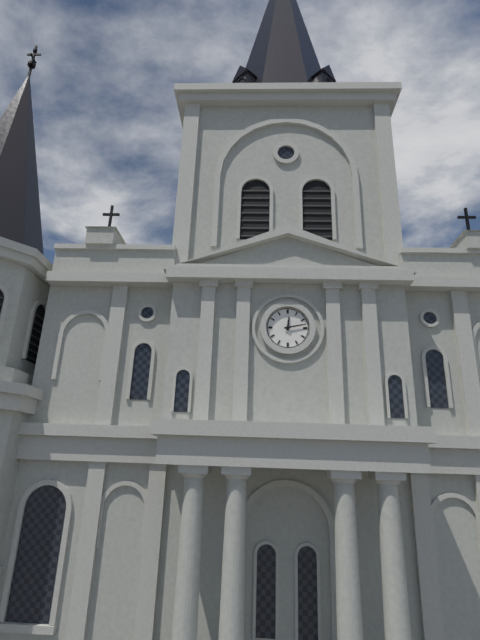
12:13
